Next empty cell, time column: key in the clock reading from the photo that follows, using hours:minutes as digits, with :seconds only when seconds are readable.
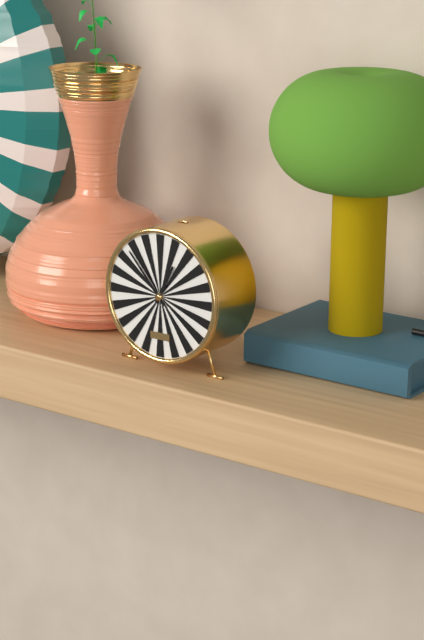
12:53
